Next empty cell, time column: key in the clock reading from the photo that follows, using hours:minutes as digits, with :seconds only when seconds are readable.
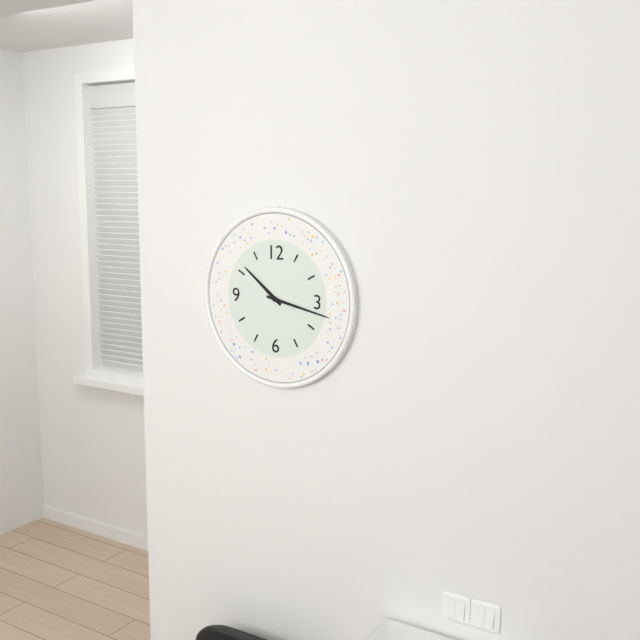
10:17
